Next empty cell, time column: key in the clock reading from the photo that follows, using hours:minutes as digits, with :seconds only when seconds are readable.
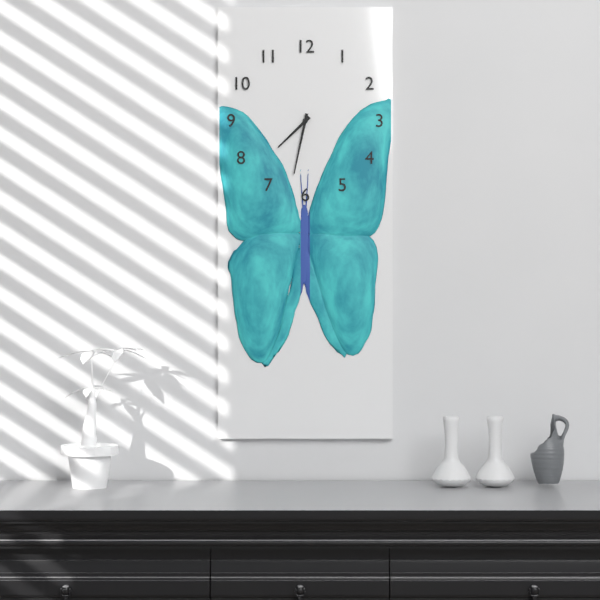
7:32
